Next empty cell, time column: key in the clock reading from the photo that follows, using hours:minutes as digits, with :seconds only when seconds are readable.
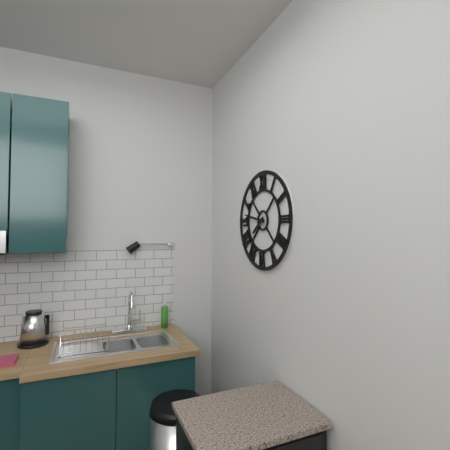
7:47
